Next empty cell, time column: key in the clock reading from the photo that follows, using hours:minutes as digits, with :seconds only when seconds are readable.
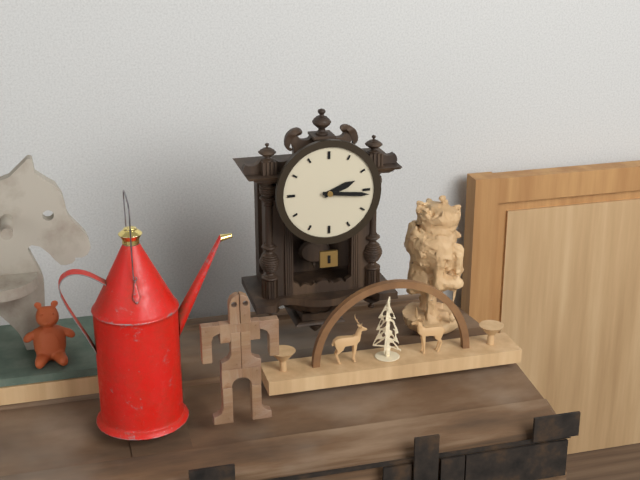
2:16
